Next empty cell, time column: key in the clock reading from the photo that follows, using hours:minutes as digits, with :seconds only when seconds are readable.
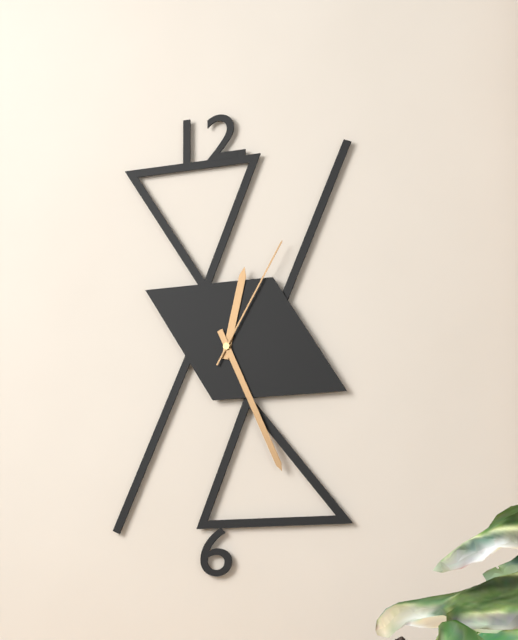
12:26:05
